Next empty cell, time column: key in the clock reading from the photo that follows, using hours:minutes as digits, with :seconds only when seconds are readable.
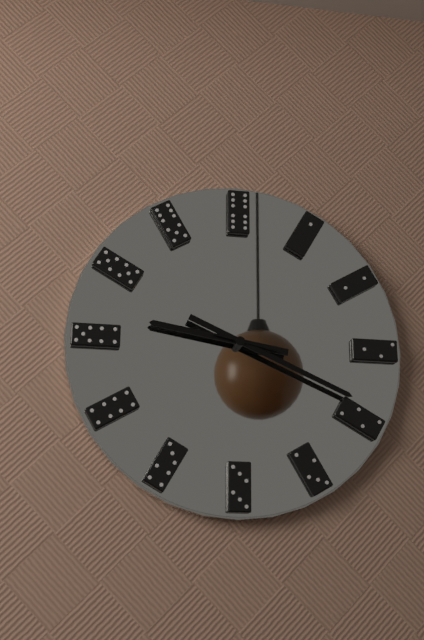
9:19:17
